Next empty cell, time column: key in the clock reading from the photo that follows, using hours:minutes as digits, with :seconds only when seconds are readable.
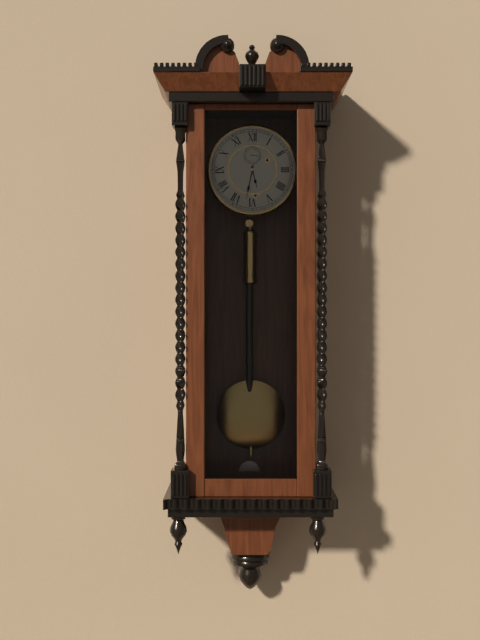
5:32
